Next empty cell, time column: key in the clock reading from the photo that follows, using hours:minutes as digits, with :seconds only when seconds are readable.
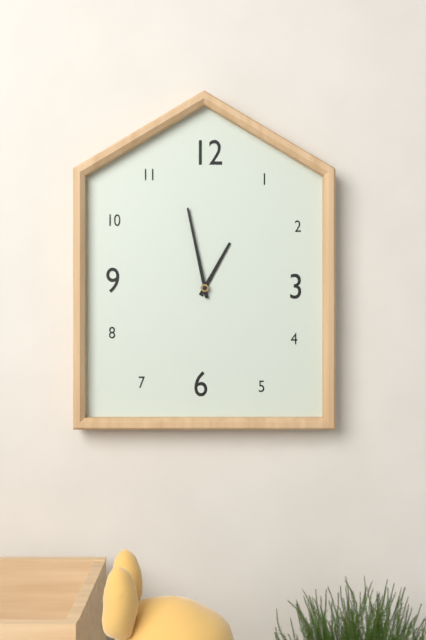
12:58
